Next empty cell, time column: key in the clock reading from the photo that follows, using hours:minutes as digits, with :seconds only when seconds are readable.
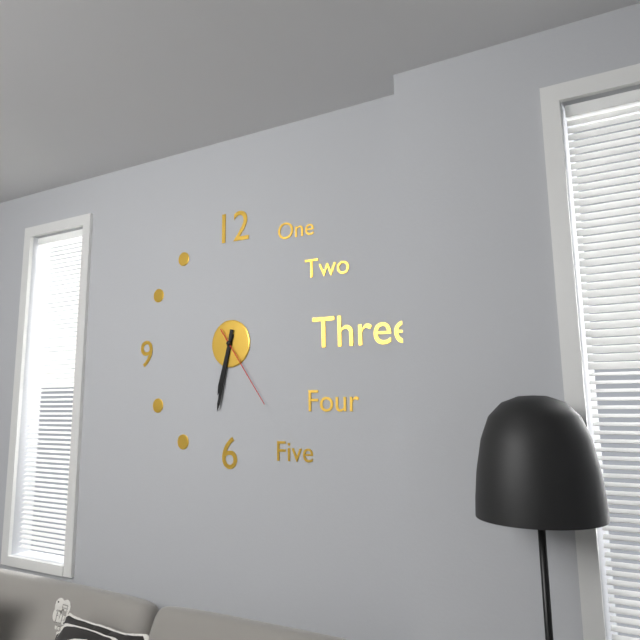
6:32:24
